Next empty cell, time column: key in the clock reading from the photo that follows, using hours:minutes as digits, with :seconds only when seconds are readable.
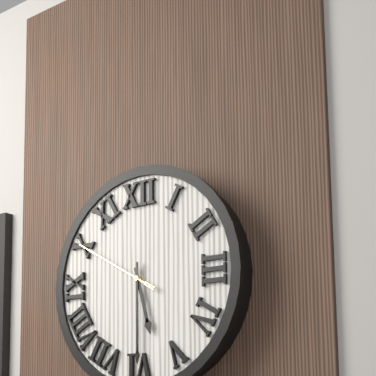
5:30:50
